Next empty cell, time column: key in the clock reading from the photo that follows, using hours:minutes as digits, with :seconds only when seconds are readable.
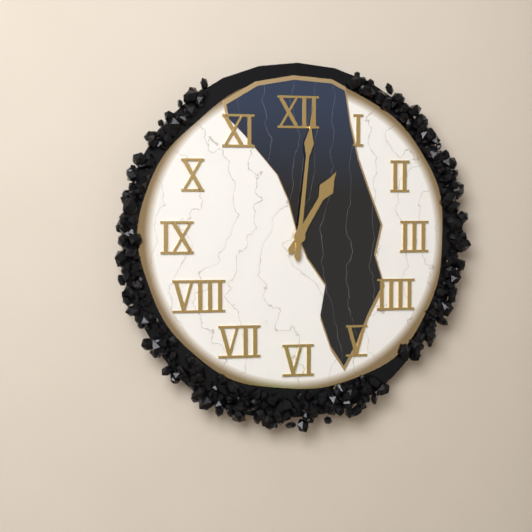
1:01
